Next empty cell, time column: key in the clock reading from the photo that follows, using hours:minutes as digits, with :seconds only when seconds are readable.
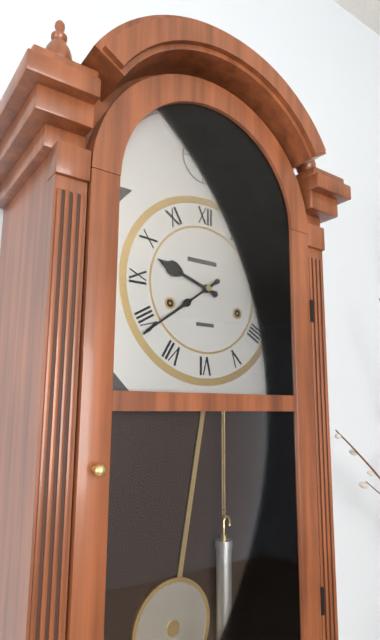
9:39
